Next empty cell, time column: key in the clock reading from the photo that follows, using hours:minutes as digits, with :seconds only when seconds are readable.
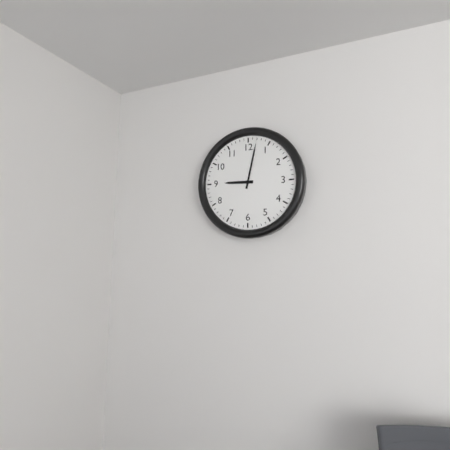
9:02
